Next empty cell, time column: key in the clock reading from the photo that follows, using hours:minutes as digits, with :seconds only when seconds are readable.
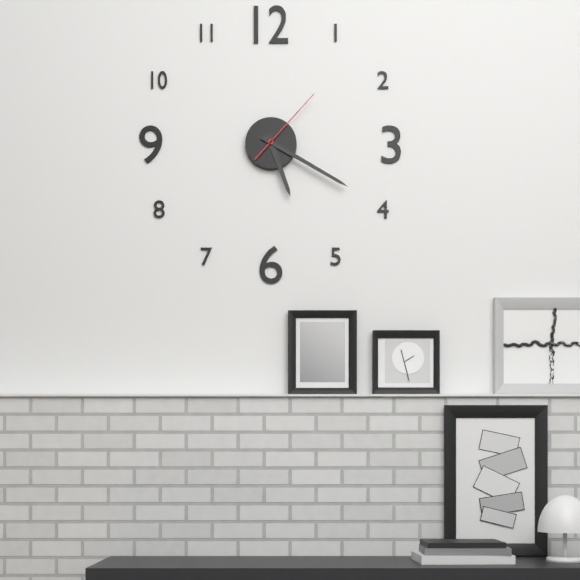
5:20:07
